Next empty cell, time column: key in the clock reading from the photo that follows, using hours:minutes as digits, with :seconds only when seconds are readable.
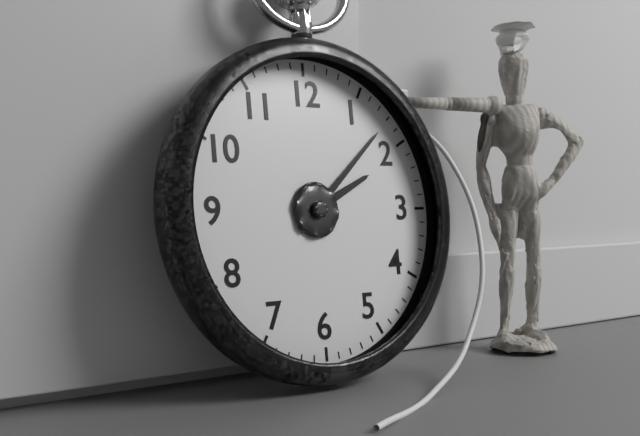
2:08
